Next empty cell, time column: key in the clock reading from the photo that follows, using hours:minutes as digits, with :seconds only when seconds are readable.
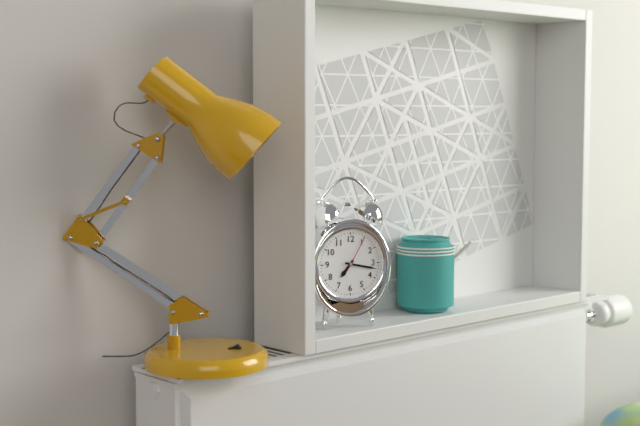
7:17
